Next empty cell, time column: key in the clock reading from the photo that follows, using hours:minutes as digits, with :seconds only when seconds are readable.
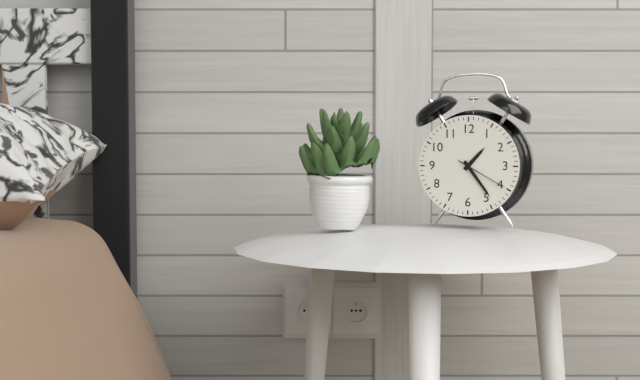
1:24:20
